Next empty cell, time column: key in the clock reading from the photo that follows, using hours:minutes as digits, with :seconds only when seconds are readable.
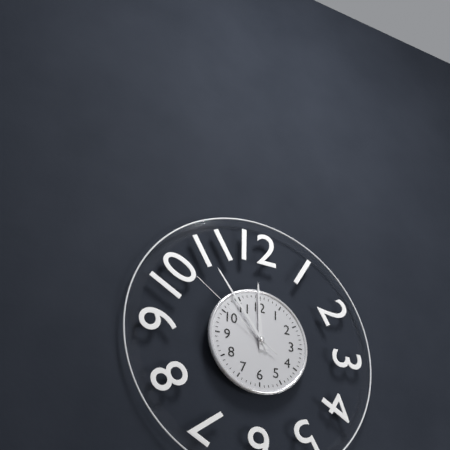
11:54:51
